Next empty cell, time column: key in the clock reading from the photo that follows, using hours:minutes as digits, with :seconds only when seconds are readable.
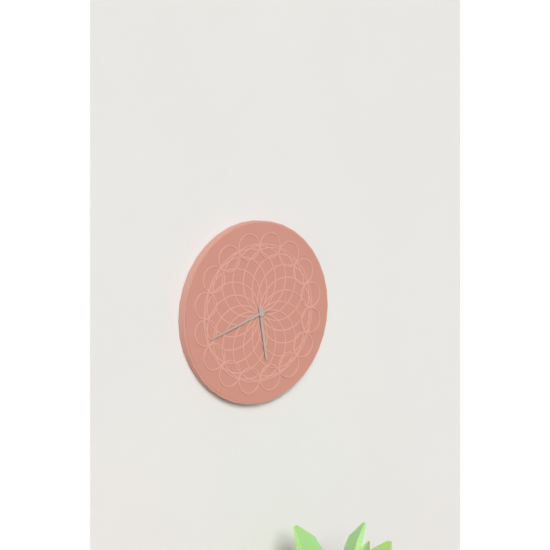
5:42
